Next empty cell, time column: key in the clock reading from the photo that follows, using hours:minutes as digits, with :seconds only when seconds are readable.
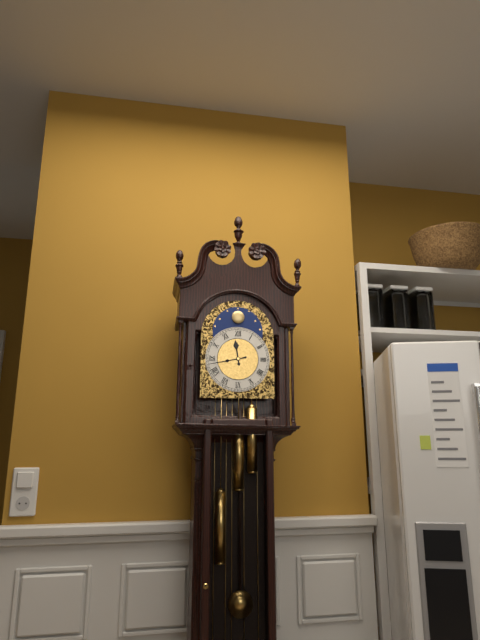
11:43
